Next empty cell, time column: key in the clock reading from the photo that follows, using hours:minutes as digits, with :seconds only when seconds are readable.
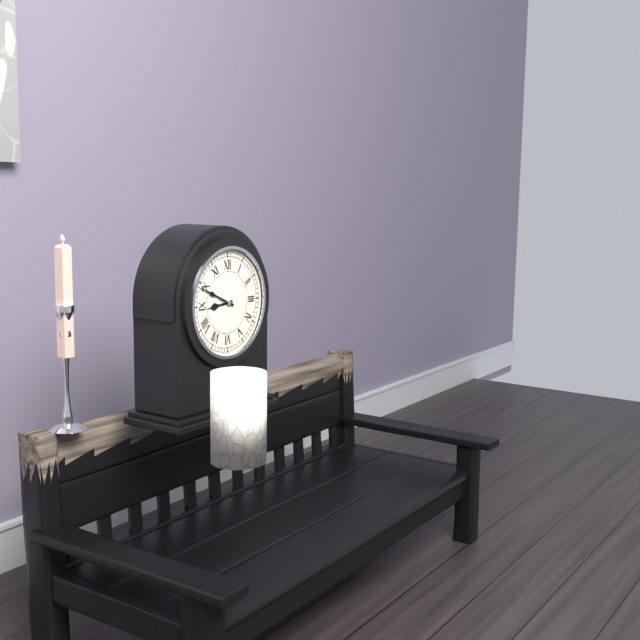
8:49
